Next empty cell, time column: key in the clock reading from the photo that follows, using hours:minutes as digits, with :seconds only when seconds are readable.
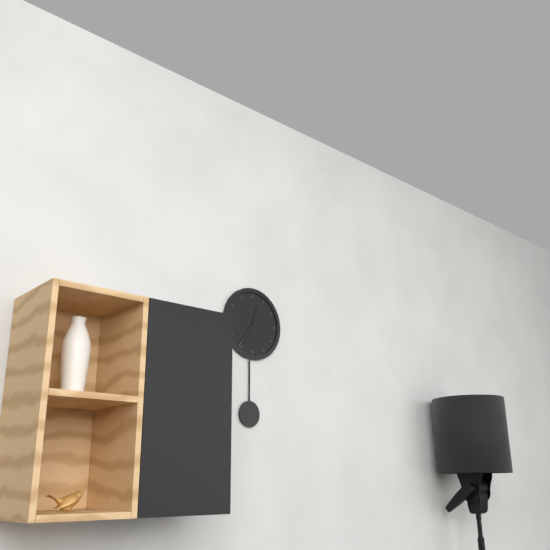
12:36
